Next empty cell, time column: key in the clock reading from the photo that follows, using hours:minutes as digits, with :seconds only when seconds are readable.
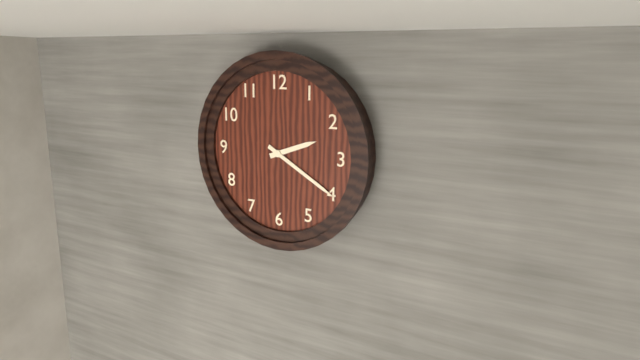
2:20
